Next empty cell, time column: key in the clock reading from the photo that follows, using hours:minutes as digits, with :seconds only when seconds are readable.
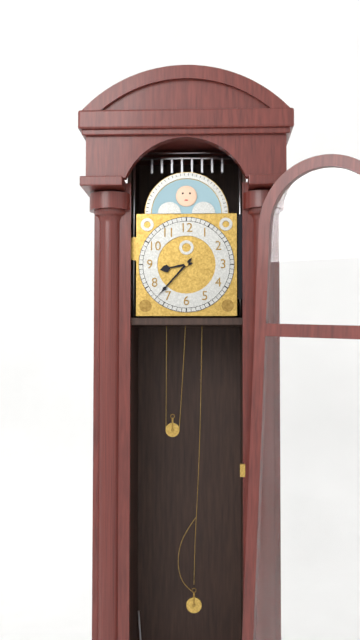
8:37
